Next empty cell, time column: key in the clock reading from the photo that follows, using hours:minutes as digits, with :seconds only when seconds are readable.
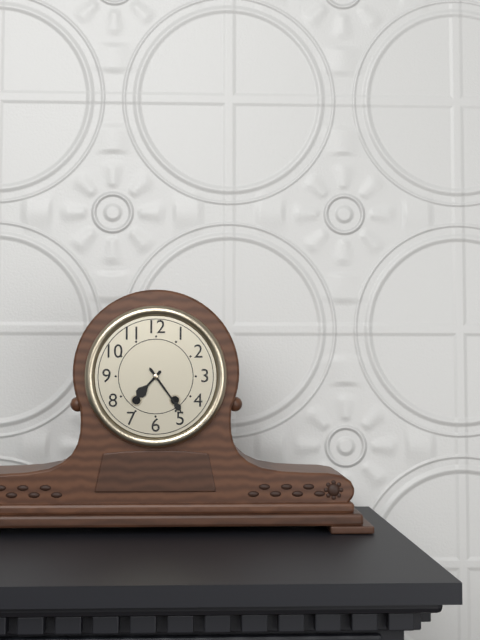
7:24
